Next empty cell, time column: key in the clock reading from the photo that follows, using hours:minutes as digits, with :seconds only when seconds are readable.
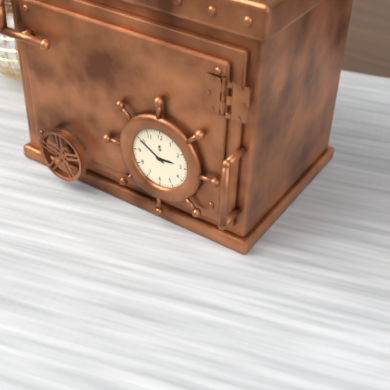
2:50
